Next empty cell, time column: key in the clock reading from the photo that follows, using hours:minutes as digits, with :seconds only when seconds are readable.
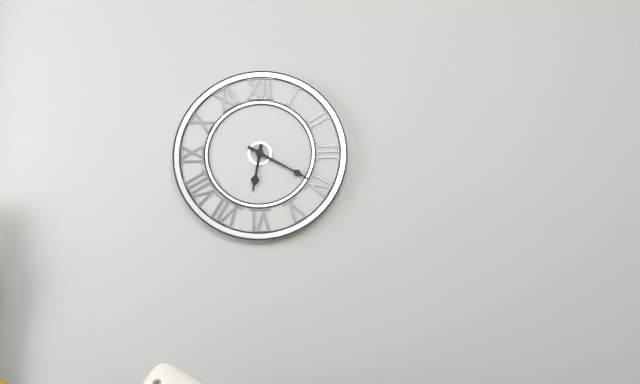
6:20
